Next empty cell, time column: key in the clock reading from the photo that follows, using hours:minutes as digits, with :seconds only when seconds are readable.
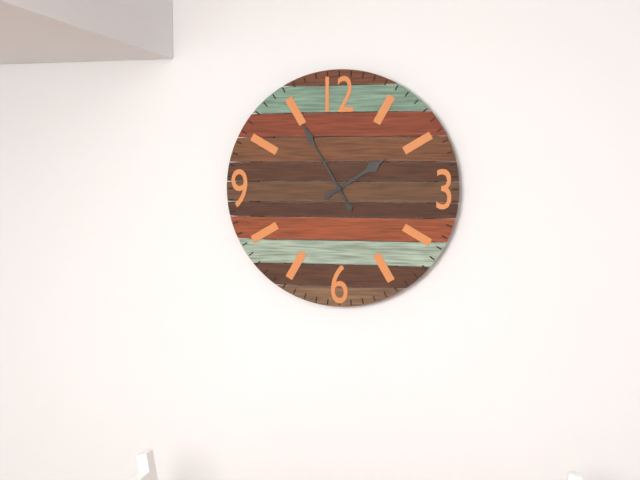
1:55
